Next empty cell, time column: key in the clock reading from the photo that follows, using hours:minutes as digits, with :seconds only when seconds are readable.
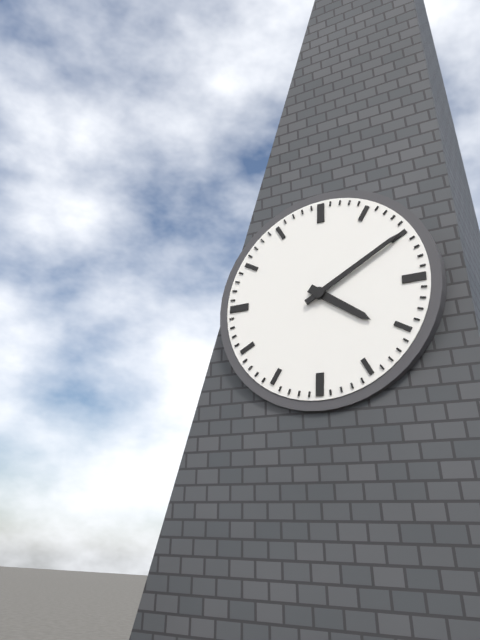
4:10
